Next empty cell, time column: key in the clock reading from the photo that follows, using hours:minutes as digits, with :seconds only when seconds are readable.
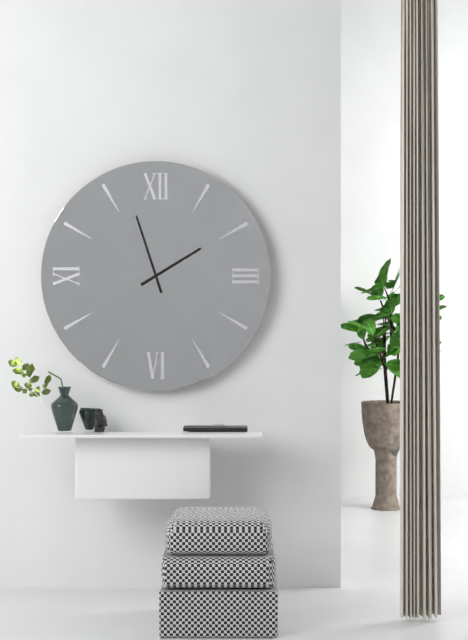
1:57
